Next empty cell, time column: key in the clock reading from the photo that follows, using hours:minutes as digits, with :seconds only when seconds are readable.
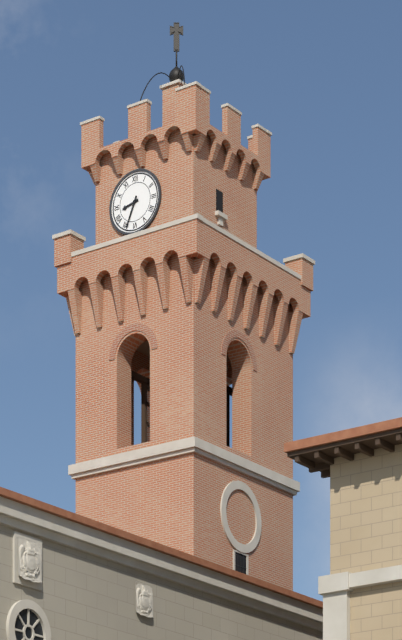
8:34
